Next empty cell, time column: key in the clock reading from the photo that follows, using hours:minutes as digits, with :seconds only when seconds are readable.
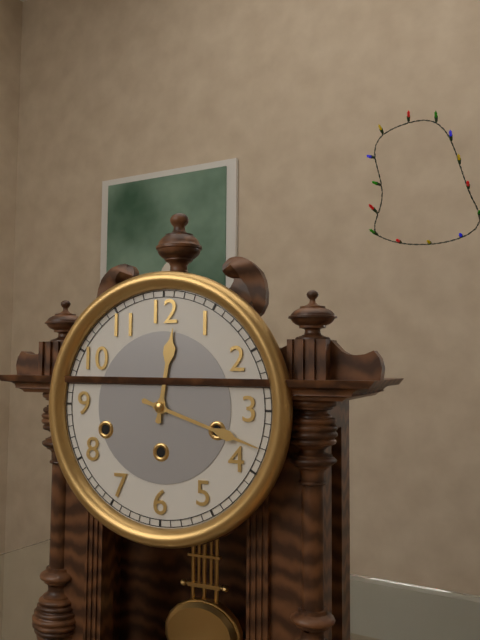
12:18
